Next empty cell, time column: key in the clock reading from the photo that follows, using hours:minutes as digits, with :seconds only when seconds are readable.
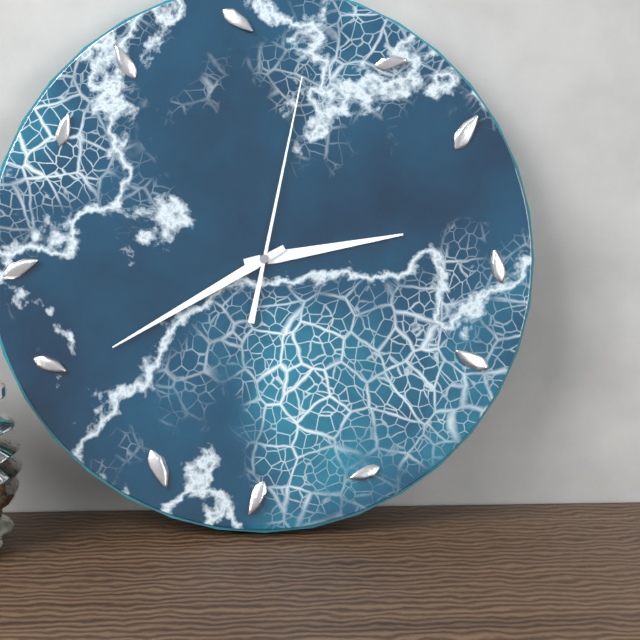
2:40:02
